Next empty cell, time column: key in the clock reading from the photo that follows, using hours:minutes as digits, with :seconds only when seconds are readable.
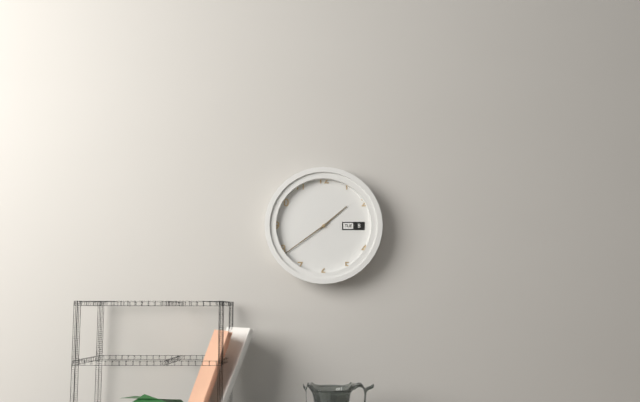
1:39
